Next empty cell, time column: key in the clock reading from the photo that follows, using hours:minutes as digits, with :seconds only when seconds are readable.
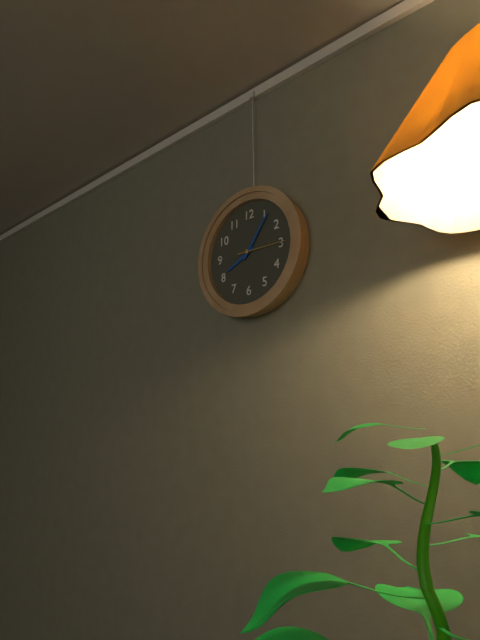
8:06
